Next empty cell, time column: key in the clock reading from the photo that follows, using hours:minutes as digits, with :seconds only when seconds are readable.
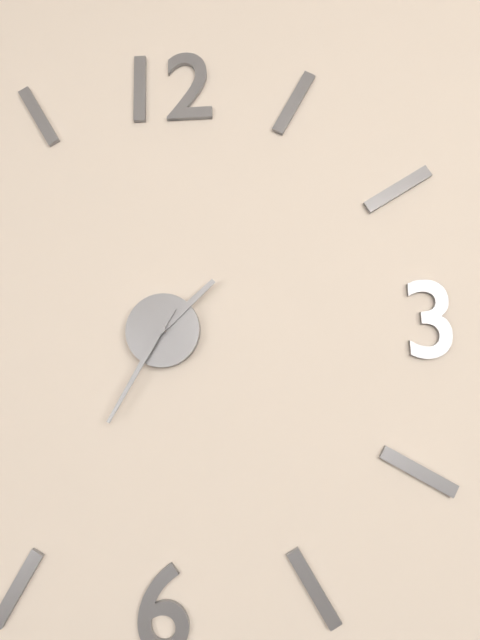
1:35
